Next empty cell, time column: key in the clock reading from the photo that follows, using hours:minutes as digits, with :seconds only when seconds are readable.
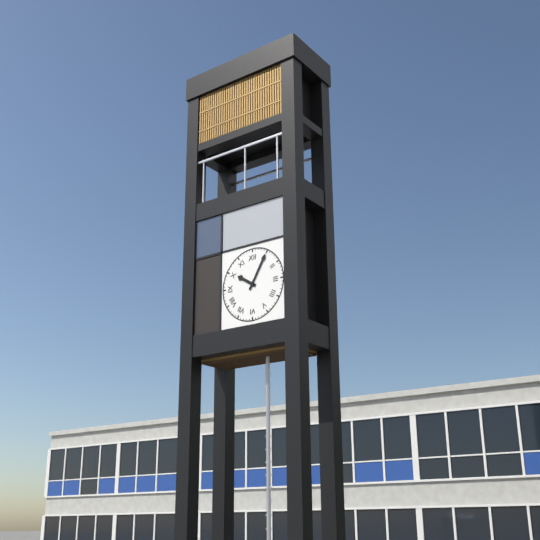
10:05
